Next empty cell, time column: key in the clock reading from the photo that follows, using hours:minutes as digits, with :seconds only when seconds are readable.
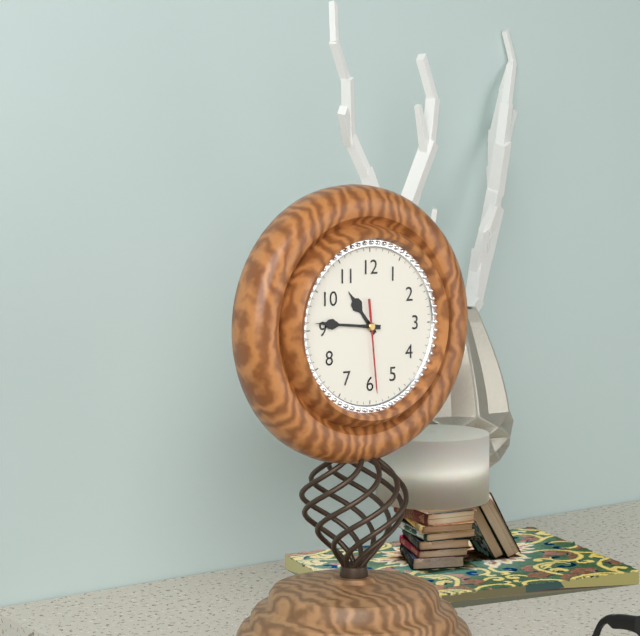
10:46:29
